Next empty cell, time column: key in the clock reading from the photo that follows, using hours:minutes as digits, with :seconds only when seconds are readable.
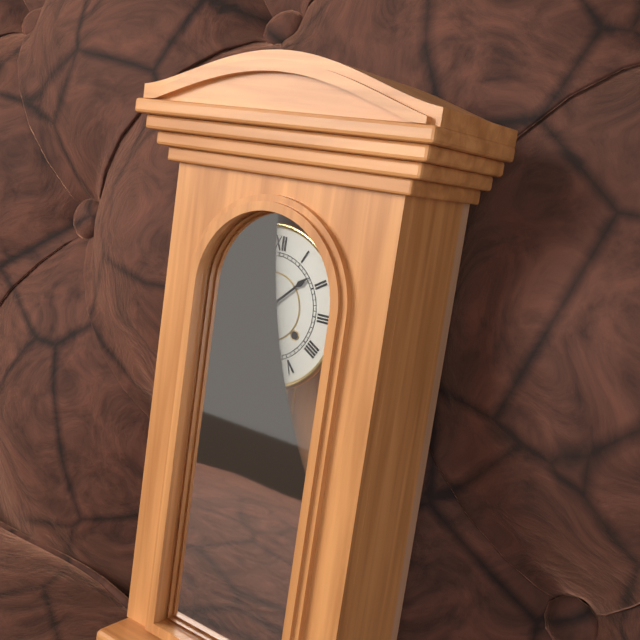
11:08
